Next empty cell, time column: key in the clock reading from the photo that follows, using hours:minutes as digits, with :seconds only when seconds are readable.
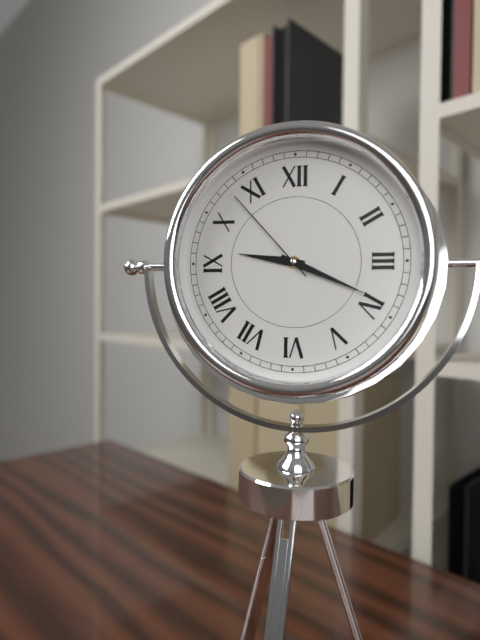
9:19:53
